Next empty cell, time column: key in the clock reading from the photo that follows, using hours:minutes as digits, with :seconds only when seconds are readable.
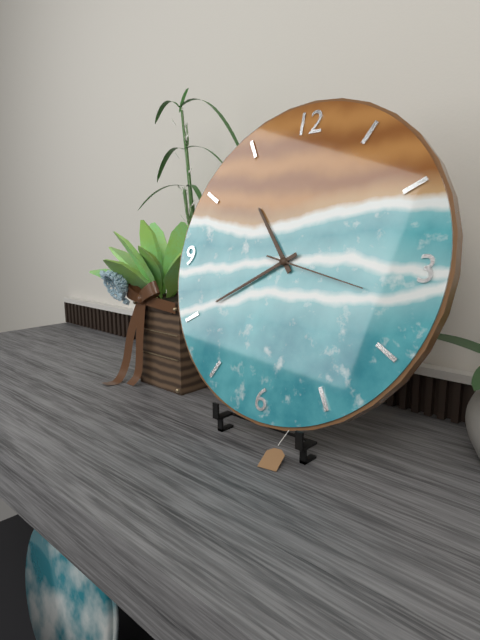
10:40:17
